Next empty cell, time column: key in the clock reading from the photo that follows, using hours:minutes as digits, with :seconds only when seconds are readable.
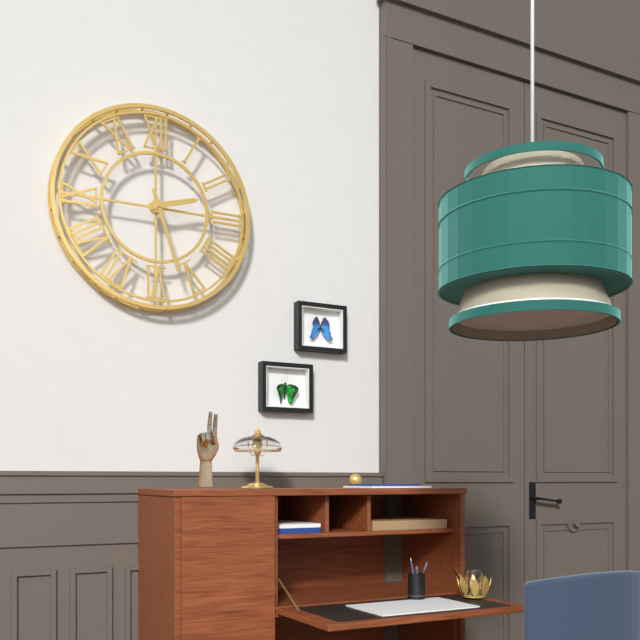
2:27
